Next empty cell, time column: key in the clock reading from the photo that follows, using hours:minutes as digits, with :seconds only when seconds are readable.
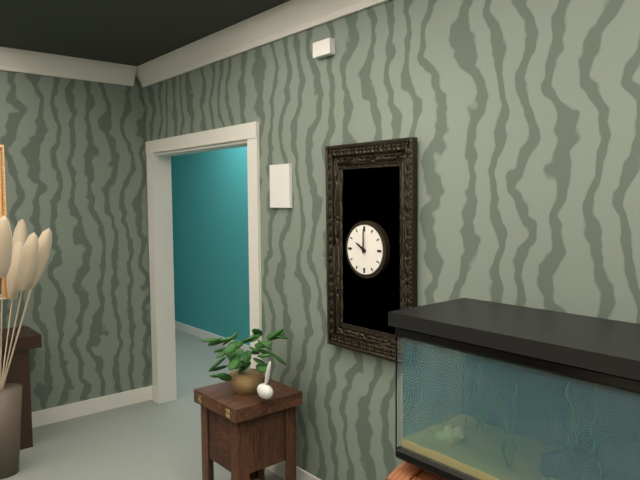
10:00
